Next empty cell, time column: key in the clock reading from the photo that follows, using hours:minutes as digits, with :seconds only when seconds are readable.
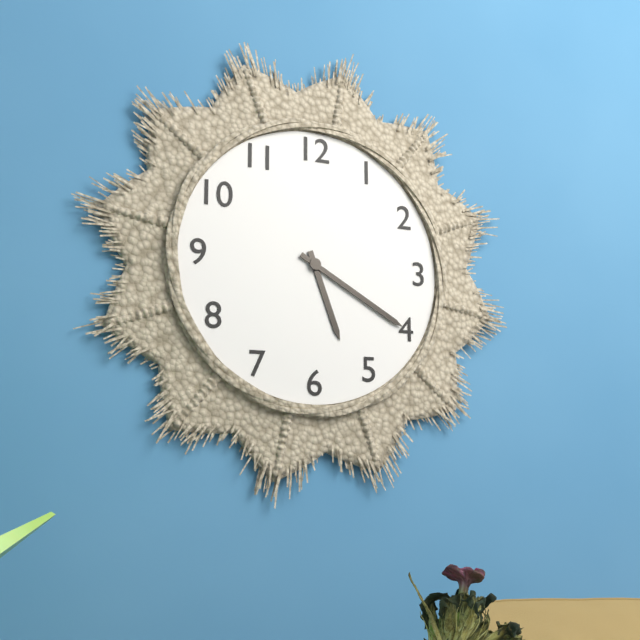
5:20
